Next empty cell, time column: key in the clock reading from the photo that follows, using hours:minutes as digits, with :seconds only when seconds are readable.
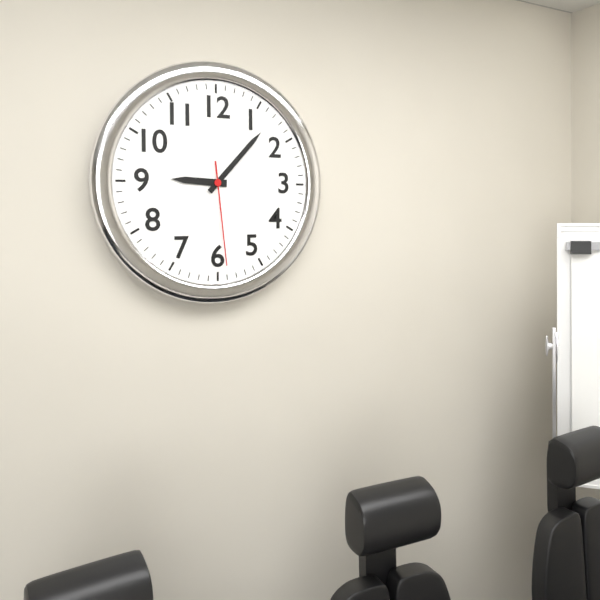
9:07:29
